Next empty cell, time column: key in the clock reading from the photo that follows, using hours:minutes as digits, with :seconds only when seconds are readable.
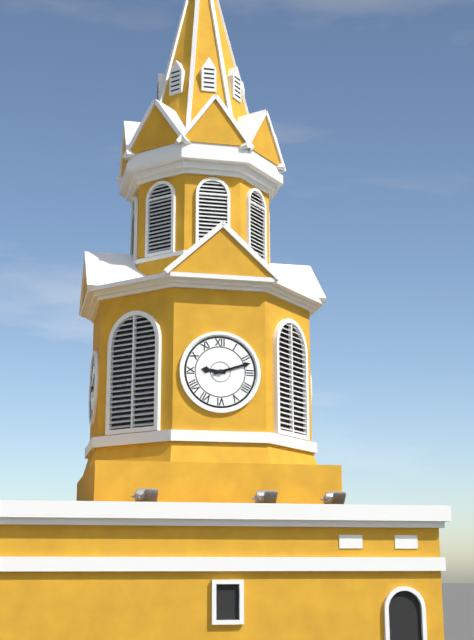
9:12
